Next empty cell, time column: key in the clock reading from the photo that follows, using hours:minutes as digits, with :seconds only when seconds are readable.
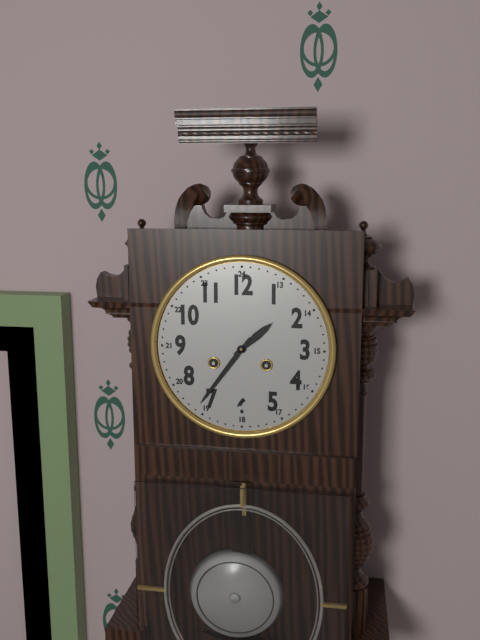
1:36
